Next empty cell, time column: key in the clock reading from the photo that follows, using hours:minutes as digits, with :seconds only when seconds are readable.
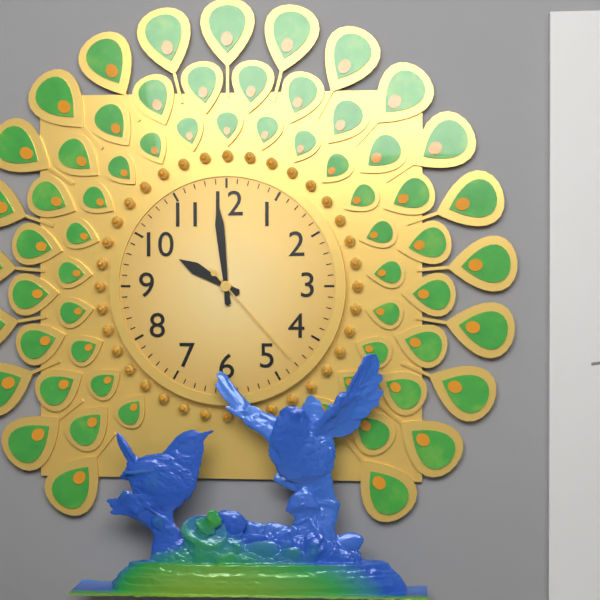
9:59:23
